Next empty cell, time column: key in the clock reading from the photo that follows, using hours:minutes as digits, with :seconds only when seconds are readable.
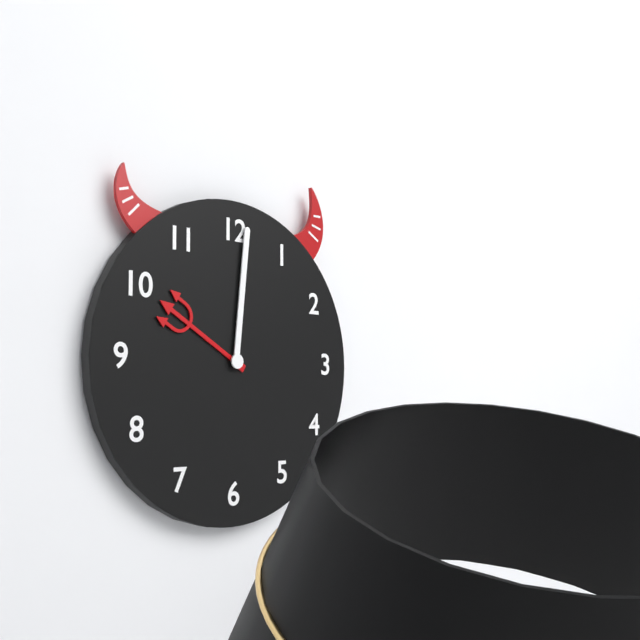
10:01
